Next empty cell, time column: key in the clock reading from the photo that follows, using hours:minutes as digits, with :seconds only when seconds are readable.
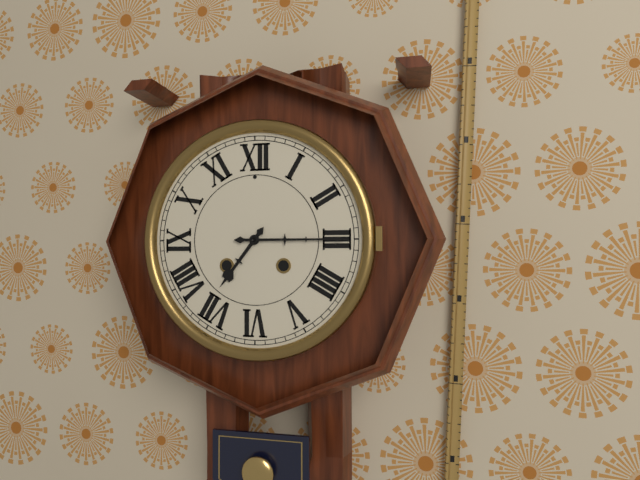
7:15
